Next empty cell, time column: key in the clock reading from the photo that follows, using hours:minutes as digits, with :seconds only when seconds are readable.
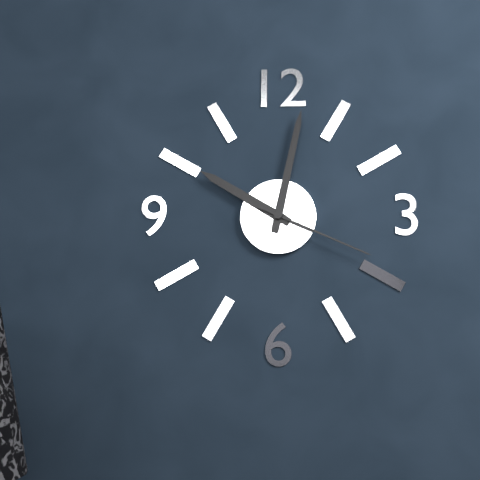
10:02:19
